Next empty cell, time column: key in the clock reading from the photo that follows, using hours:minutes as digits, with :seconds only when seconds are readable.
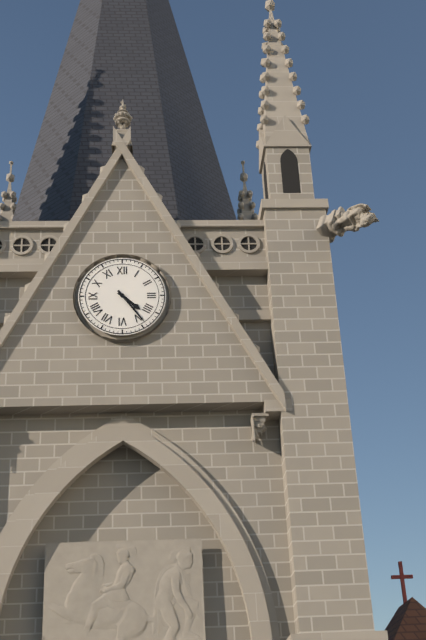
4:24
